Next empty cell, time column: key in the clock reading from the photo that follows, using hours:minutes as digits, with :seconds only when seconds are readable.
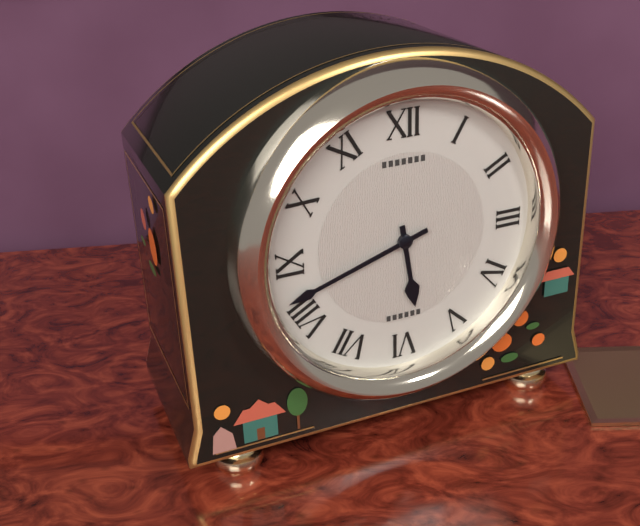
5:42
